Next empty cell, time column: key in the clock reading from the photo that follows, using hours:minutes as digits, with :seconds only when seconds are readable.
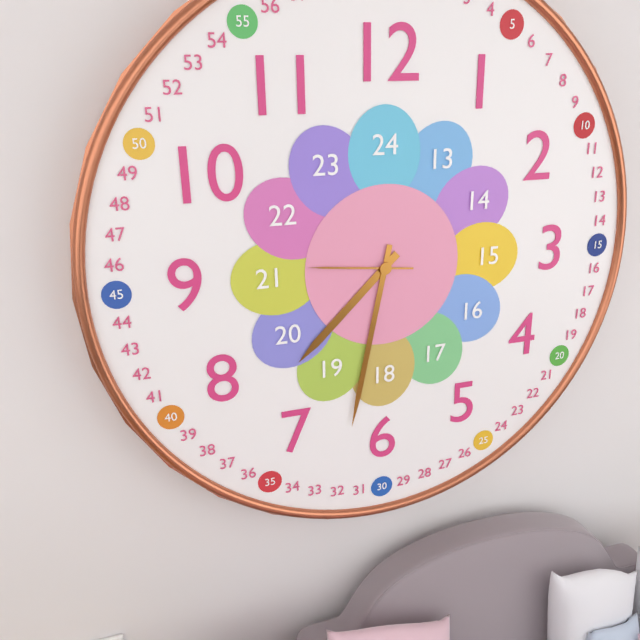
7:32:46
